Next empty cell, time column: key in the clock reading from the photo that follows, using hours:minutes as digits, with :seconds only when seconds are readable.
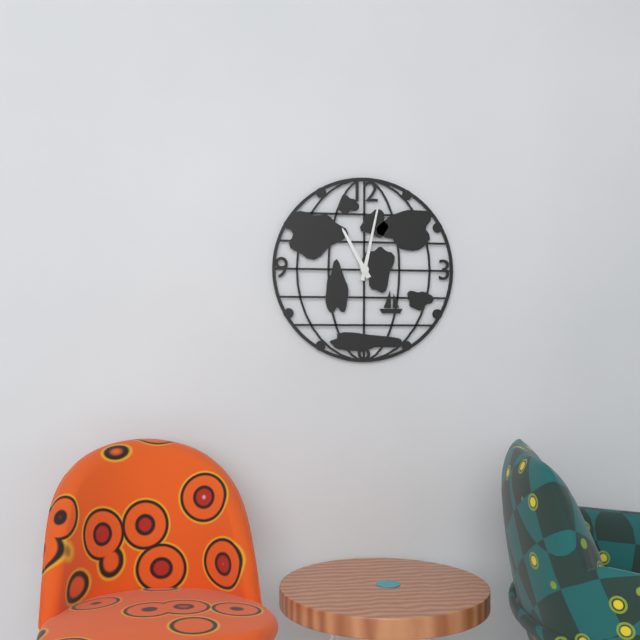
11:02
